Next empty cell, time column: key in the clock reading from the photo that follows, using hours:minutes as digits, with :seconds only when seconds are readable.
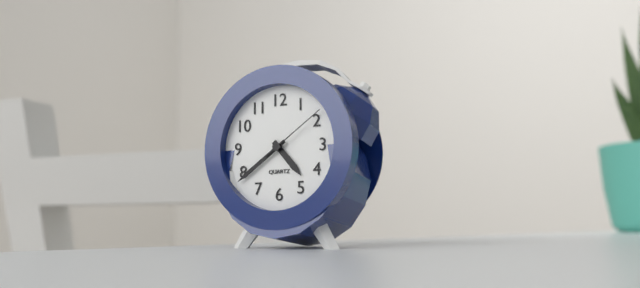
4:39:09
